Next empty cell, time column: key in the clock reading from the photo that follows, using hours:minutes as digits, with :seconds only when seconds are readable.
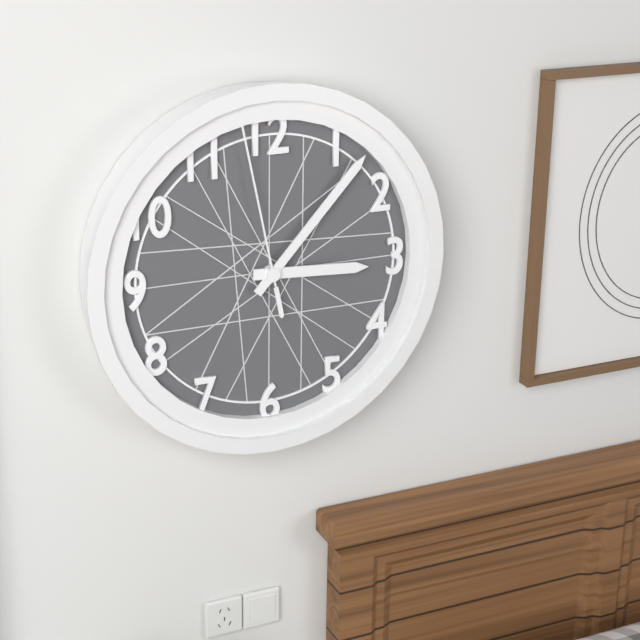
3:07:58
